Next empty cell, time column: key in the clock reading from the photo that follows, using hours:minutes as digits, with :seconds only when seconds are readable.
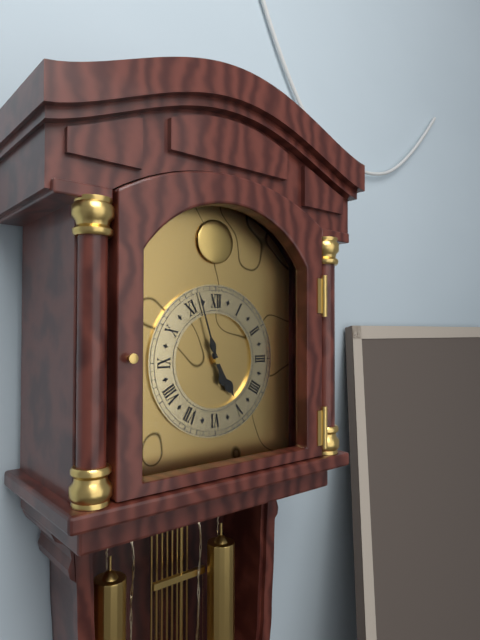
4:57
